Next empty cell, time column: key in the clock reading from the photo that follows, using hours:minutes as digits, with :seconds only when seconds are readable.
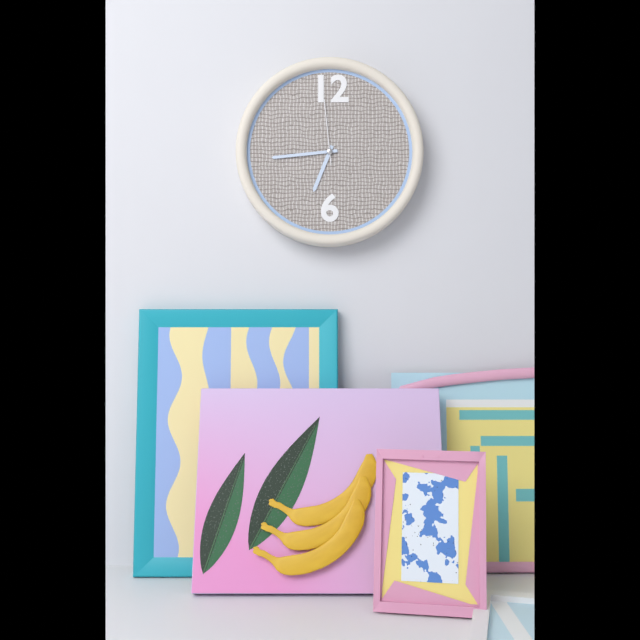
6:44:59
